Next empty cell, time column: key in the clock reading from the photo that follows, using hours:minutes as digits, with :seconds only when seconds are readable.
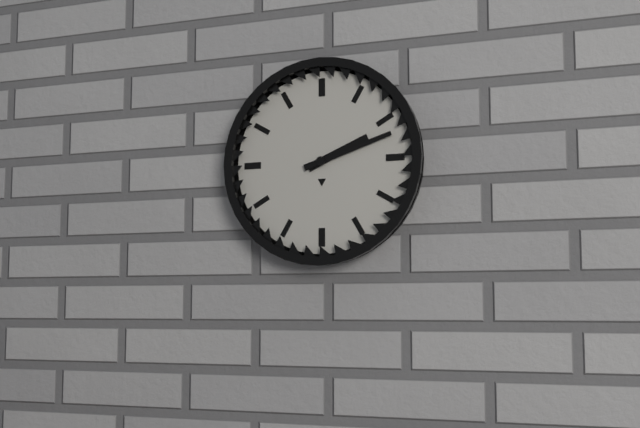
2:12
